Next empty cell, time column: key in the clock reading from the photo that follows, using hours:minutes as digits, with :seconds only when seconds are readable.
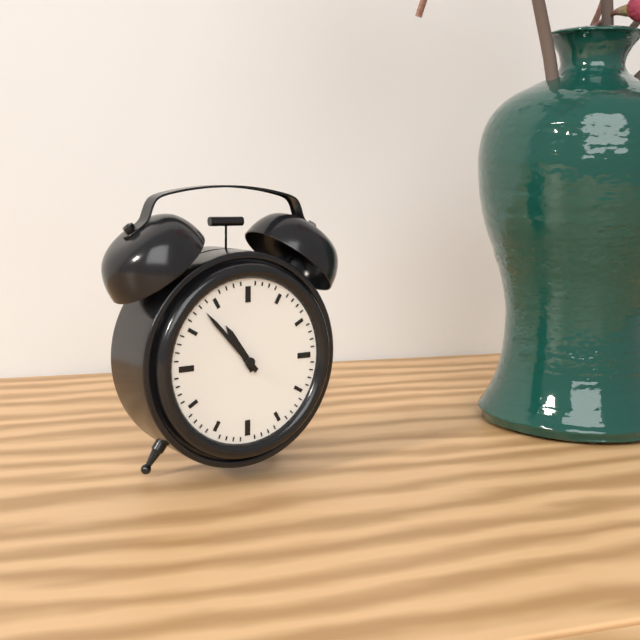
10:53
